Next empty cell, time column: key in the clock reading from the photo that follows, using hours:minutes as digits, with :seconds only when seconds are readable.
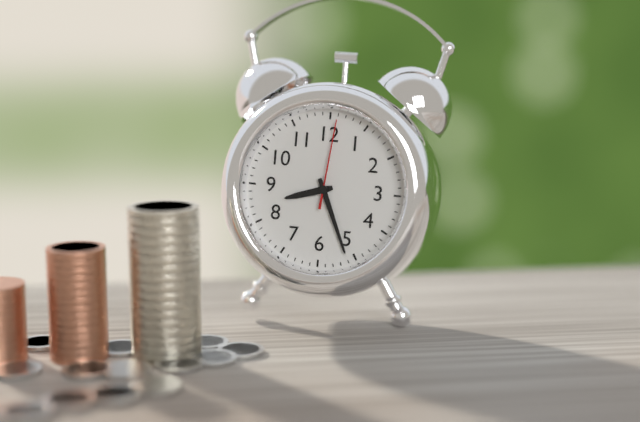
8:26:01
